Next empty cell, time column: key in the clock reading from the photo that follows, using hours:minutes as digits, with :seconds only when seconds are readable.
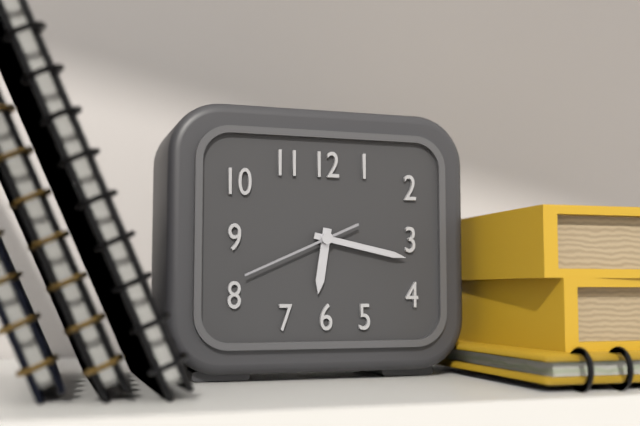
6:17:41
